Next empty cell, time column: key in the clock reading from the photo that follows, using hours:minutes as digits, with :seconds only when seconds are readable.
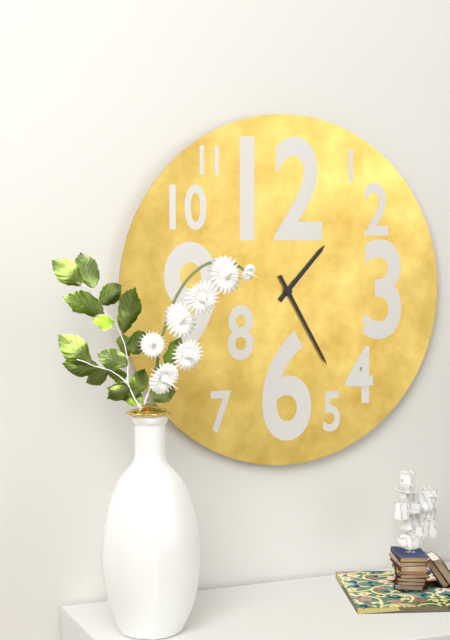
1:25
